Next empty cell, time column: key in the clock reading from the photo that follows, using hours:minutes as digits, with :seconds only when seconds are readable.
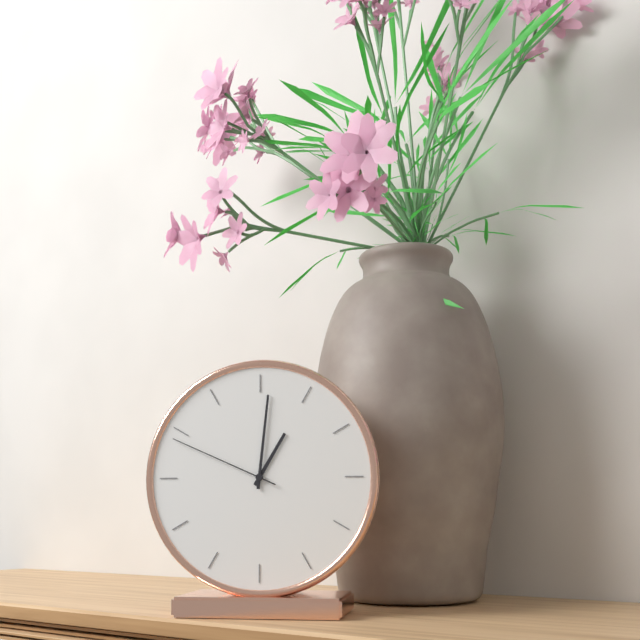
1:01:49
